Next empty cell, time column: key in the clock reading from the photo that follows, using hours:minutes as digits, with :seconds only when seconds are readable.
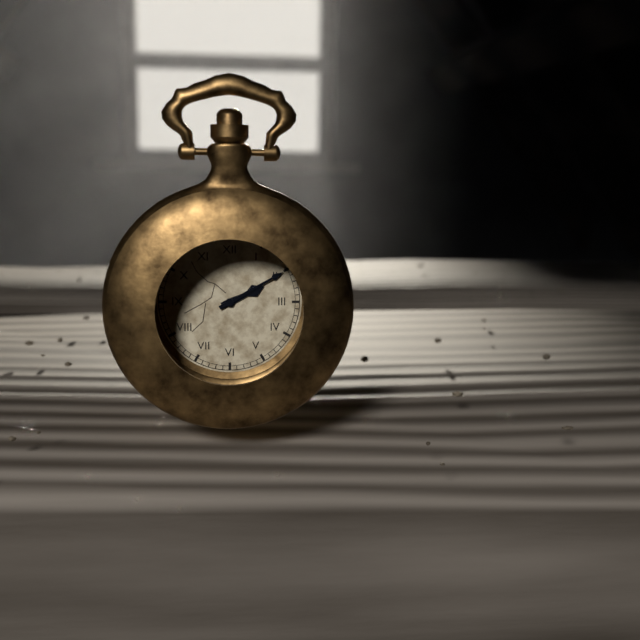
2:10
